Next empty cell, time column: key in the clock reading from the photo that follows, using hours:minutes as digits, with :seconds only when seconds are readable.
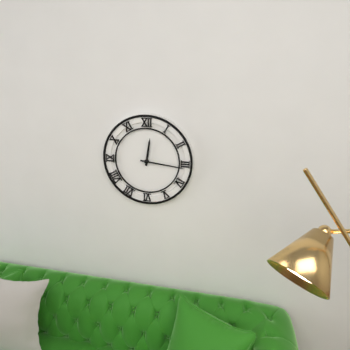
12:16
